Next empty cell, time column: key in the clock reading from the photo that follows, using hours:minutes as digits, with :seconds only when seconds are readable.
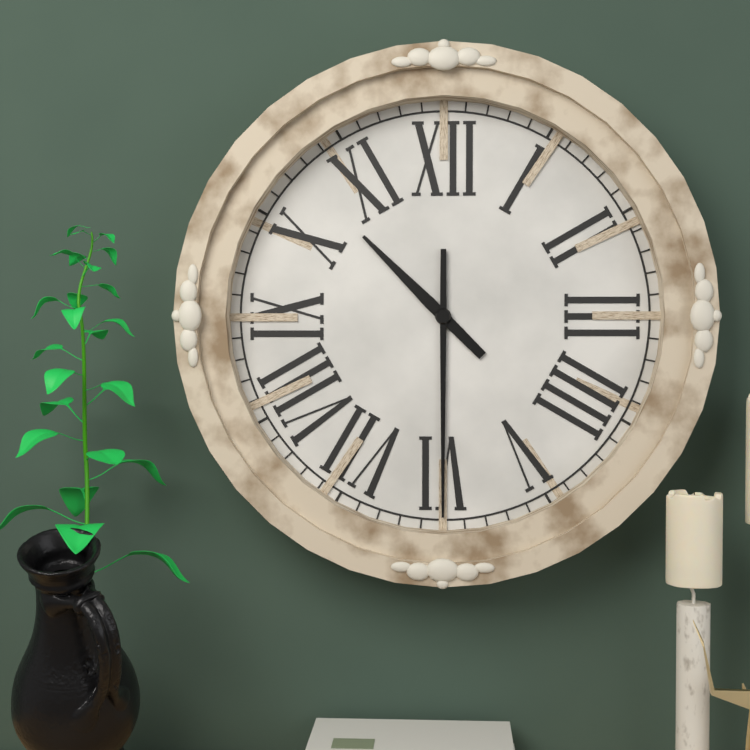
10:30
